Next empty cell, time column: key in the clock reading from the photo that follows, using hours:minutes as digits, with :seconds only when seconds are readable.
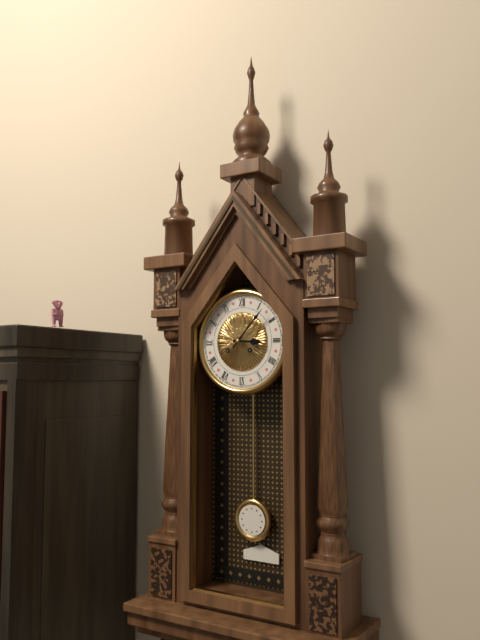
3:07
